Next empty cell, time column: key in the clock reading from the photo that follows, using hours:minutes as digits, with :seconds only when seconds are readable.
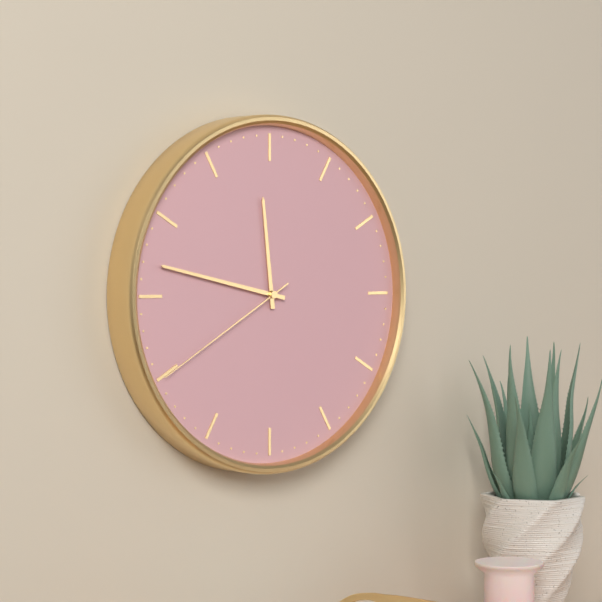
11:47:40
